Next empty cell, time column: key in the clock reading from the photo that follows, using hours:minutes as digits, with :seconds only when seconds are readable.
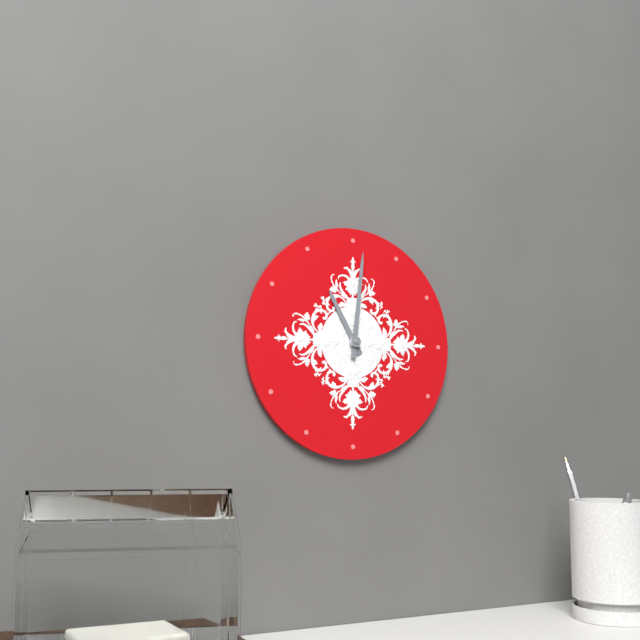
11:01
